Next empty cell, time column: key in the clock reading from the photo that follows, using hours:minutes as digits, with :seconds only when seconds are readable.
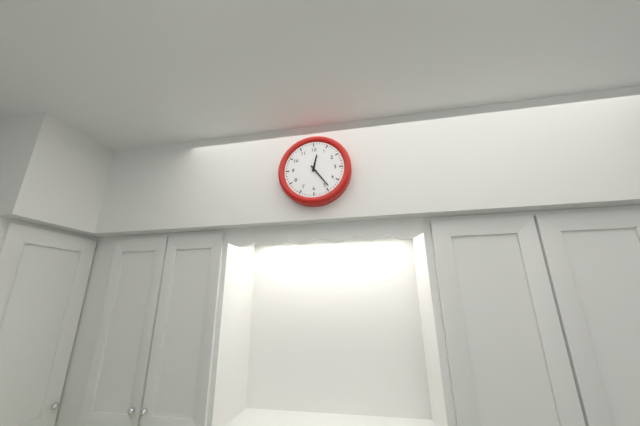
12:24
